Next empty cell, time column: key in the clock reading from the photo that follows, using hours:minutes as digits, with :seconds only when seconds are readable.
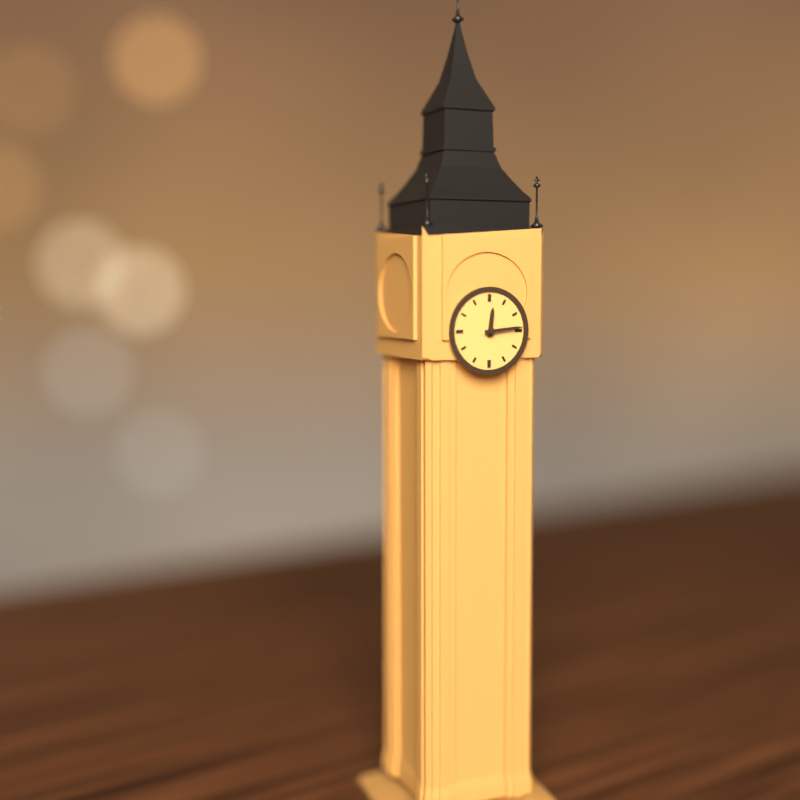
12:14
